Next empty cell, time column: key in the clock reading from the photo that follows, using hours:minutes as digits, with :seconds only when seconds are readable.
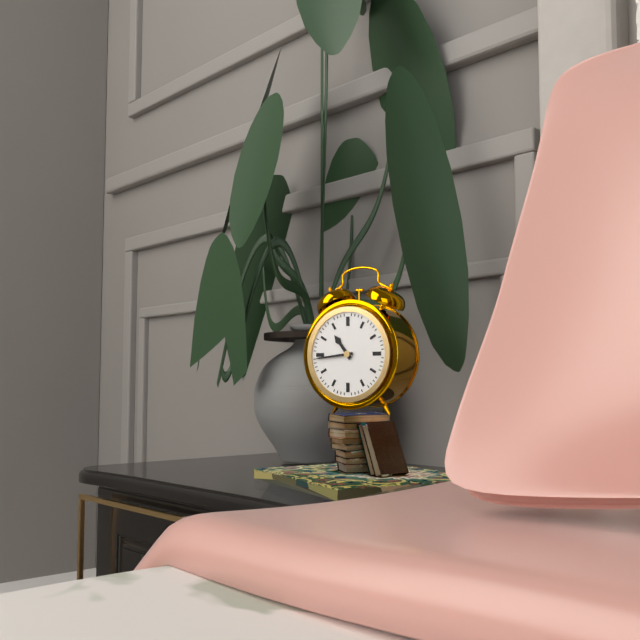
10:44
